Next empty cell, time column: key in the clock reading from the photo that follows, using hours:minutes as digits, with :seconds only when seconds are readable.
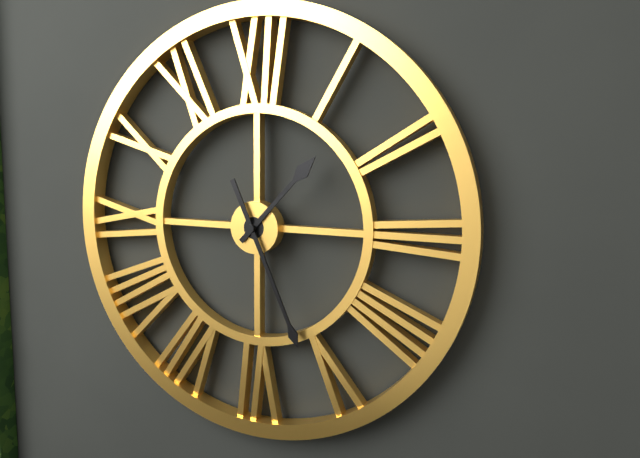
1:26
